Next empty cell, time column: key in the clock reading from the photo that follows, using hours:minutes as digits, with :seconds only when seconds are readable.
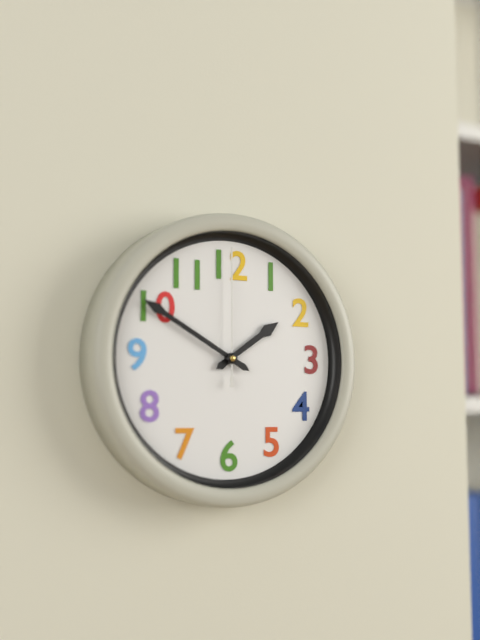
1:50:00
